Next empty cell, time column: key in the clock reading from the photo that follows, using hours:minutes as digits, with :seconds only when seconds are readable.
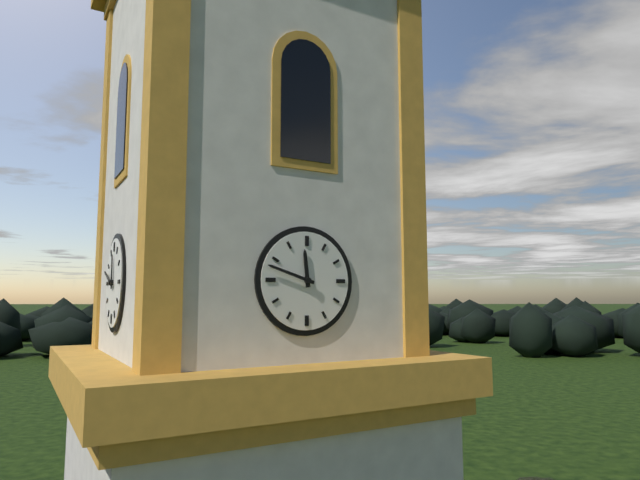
11:48
